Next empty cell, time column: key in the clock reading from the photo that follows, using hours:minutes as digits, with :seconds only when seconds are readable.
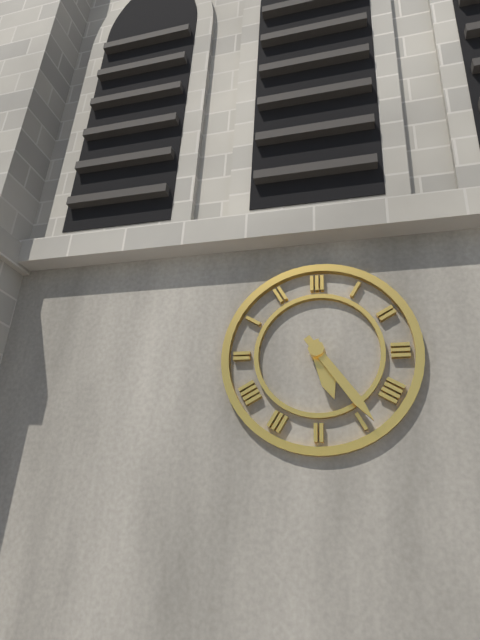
5:24
